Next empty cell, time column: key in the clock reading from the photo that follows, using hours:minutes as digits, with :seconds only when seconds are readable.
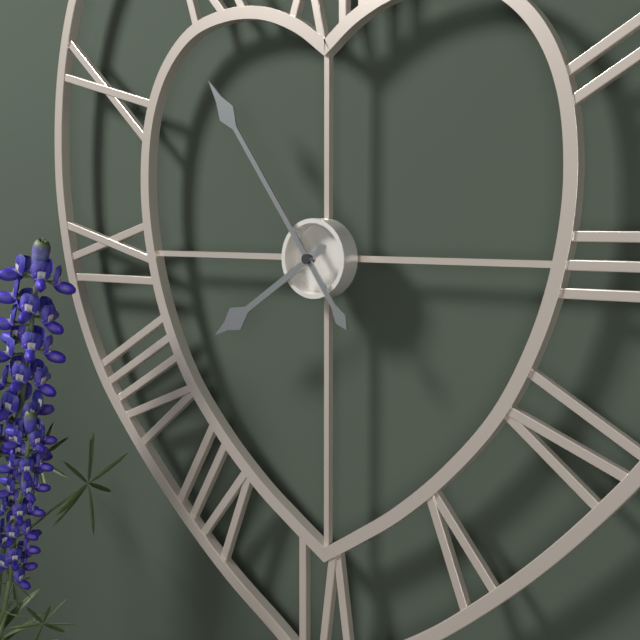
7:54
